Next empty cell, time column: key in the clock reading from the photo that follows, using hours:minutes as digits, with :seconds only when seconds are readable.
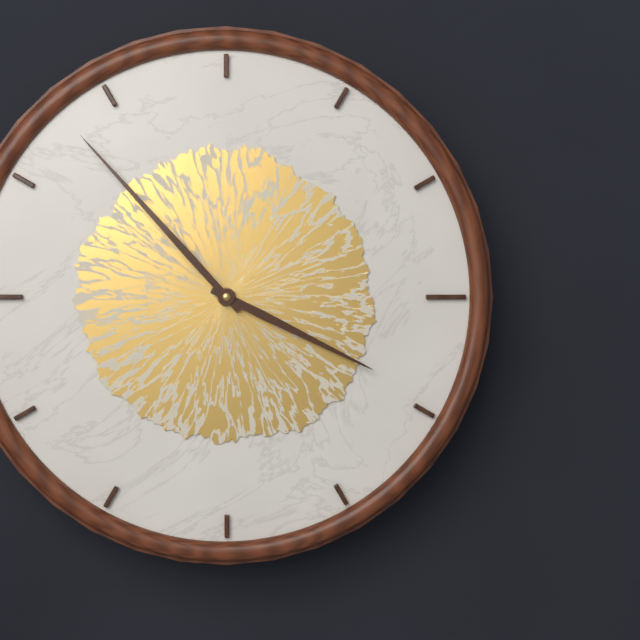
3:53
